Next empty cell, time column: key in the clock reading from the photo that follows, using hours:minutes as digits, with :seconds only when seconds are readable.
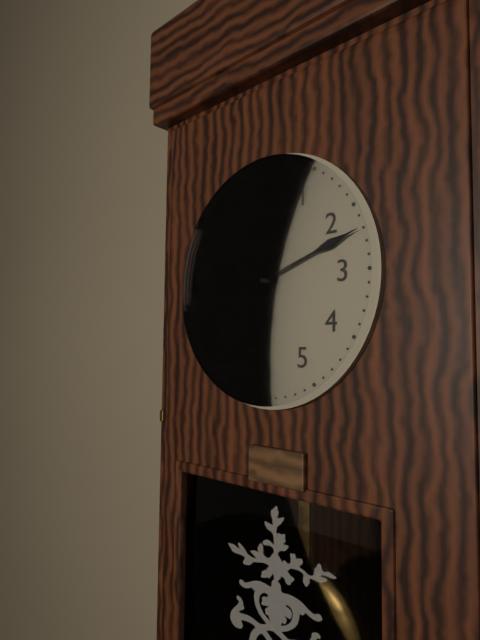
9:12
